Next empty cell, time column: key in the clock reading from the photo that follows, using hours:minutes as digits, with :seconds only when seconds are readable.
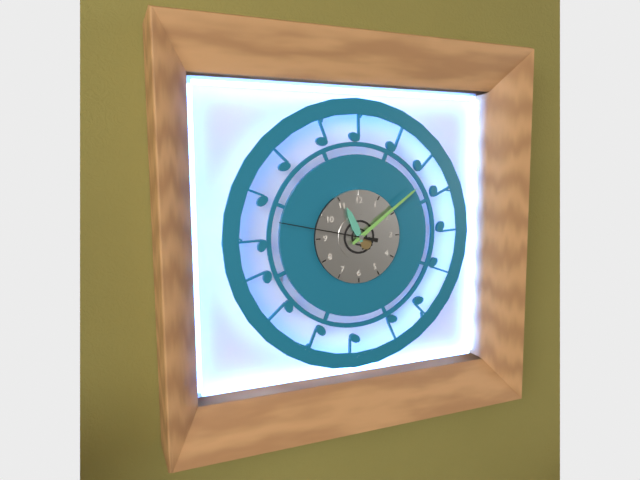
11:09:47
